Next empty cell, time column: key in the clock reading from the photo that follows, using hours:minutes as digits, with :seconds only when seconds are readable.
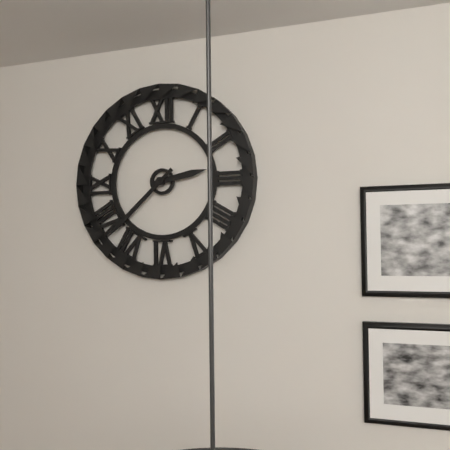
2:38
